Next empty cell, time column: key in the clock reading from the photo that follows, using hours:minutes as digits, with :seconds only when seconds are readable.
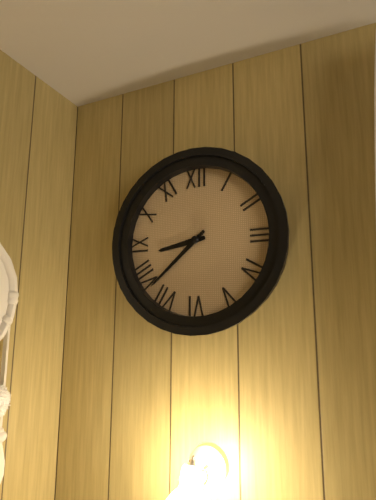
8:38
